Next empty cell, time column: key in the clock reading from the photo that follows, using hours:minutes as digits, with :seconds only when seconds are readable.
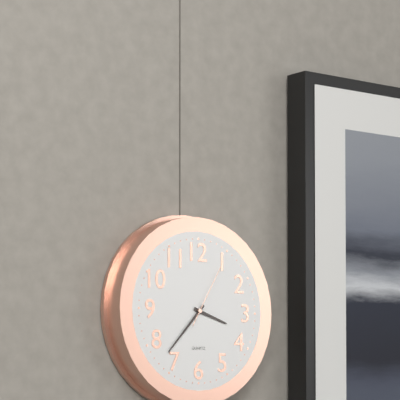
3:37:05
